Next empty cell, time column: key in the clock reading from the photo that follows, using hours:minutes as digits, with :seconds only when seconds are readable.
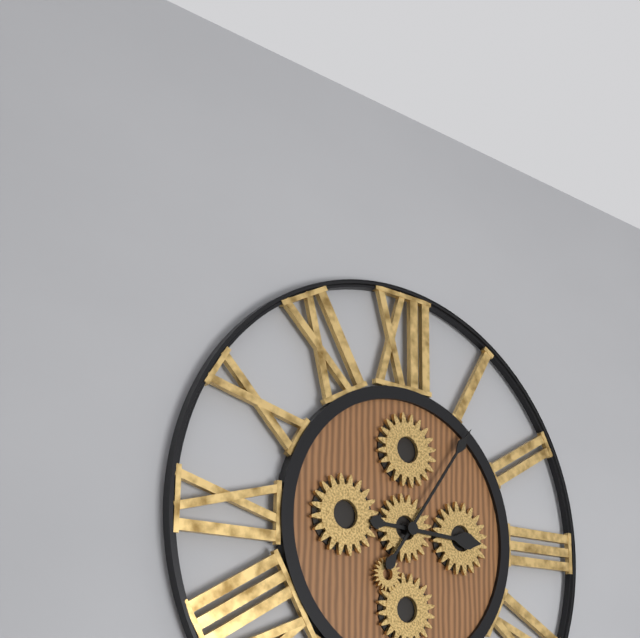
3:06
